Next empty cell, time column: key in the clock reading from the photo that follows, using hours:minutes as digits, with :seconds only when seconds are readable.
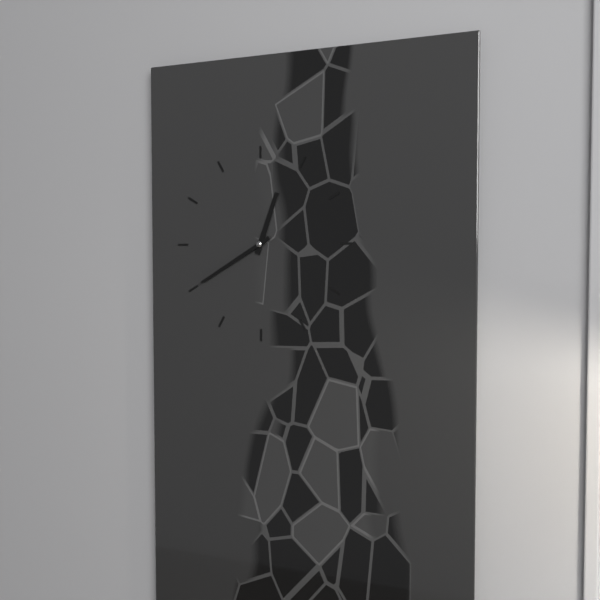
12:40
